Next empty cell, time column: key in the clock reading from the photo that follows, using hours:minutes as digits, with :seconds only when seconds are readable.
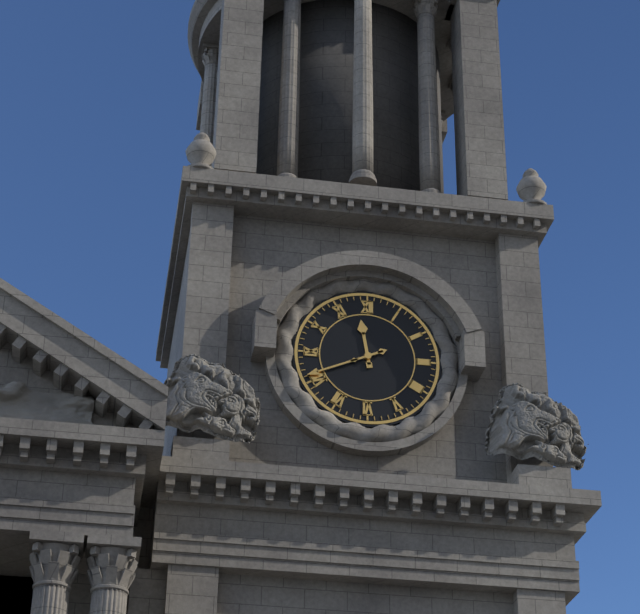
11:41
